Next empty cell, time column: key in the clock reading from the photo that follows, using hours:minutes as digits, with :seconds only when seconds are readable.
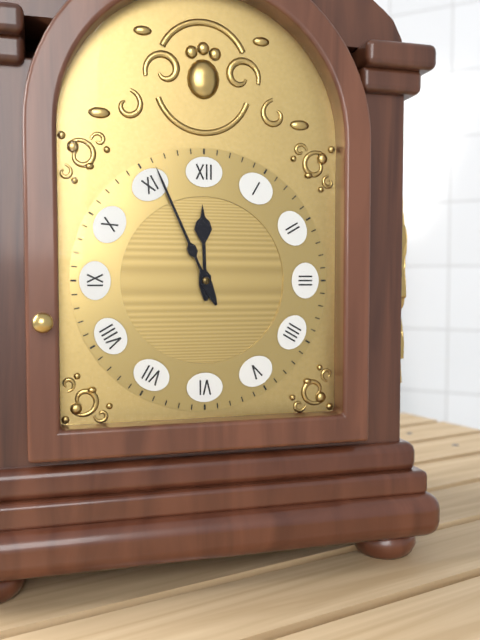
11:56
